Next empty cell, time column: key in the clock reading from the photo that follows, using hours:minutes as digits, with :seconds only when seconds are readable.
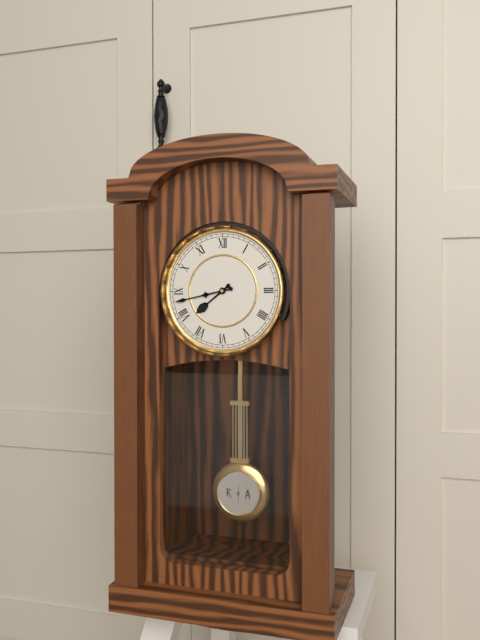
7:43
